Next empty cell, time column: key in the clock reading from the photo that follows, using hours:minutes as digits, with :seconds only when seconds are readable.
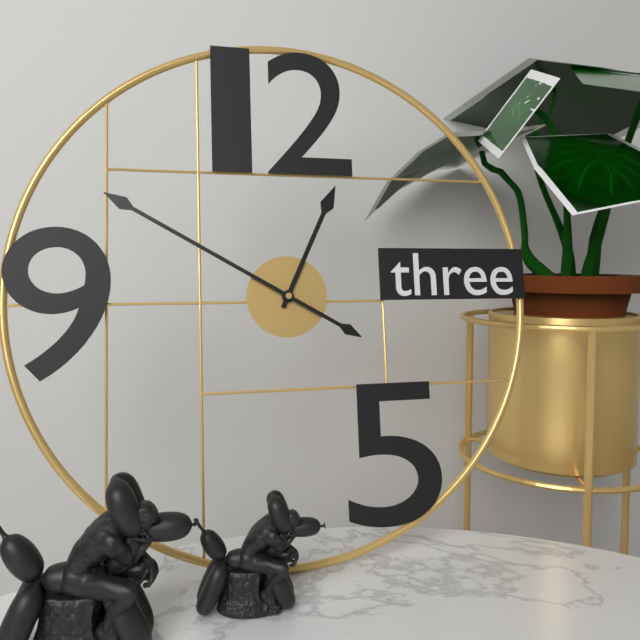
12:50
